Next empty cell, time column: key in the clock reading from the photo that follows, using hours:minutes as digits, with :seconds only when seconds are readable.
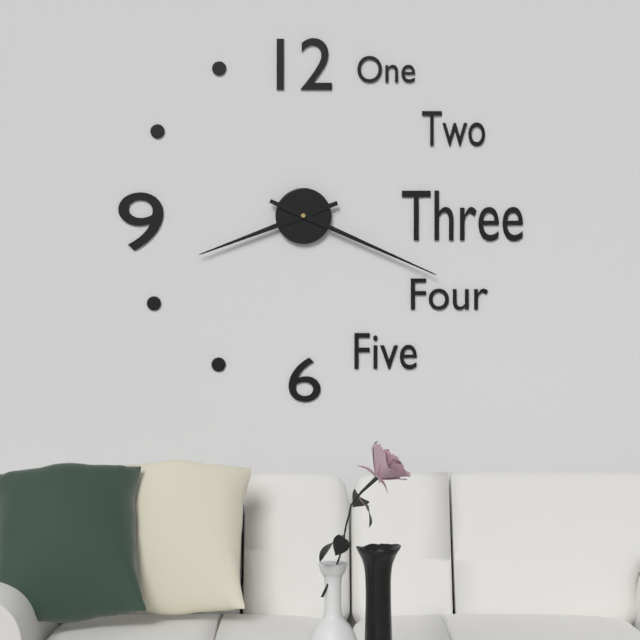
8:19
